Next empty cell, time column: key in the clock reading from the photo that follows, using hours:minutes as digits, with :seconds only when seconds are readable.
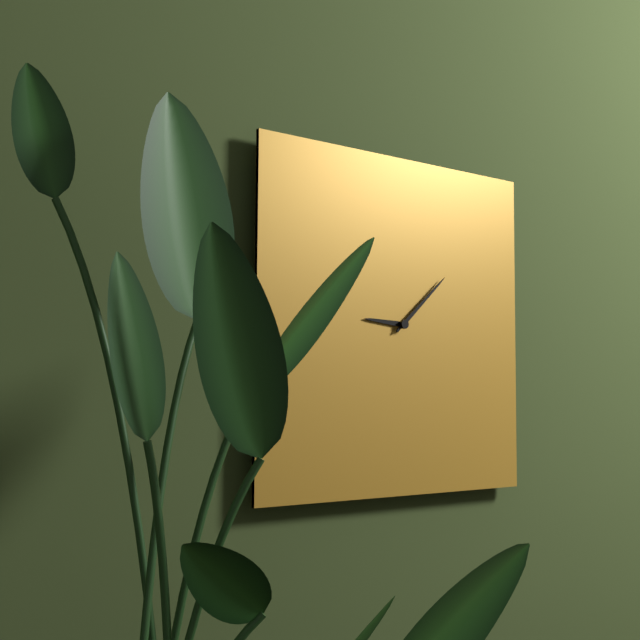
9:08
